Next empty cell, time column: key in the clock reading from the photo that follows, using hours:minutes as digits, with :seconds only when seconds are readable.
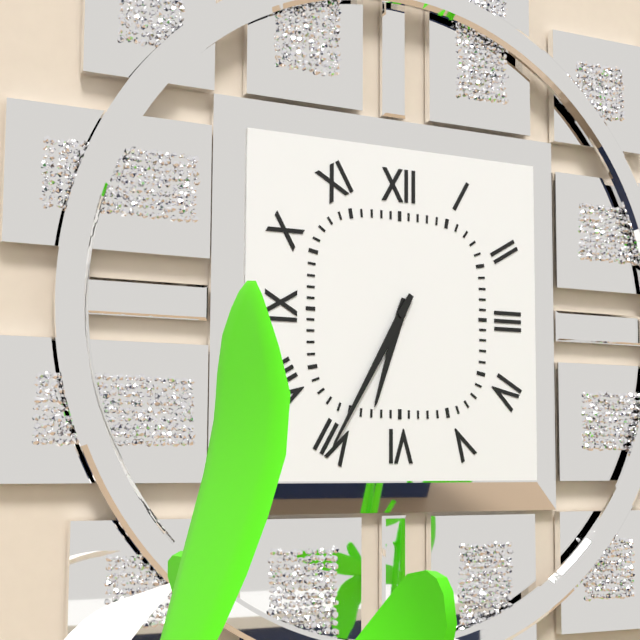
6:35
